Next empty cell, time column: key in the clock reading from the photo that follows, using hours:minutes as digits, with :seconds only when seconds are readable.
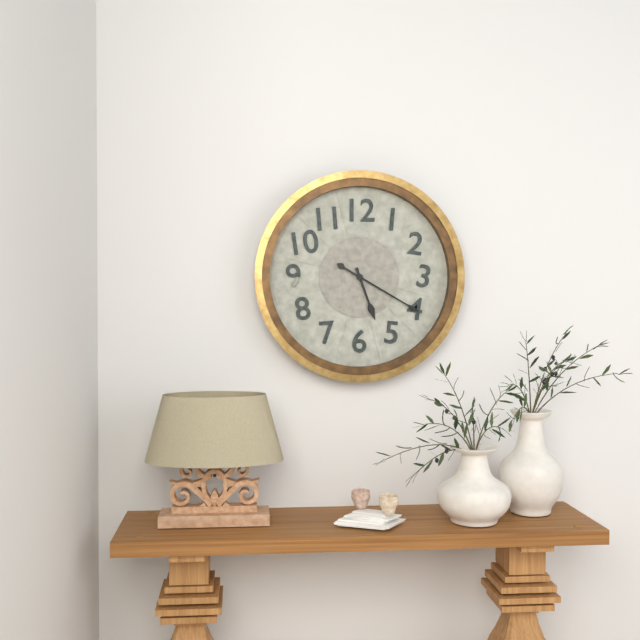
5:20
